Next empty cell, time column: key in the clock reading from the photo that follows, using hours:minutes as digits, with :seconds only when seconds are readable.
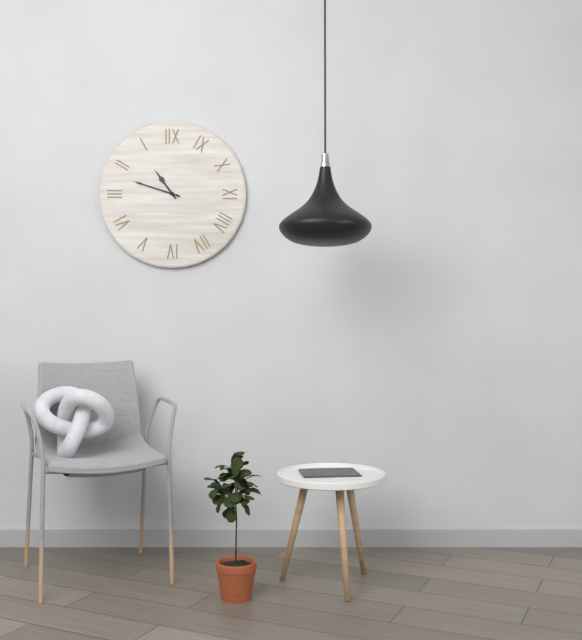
10:48
